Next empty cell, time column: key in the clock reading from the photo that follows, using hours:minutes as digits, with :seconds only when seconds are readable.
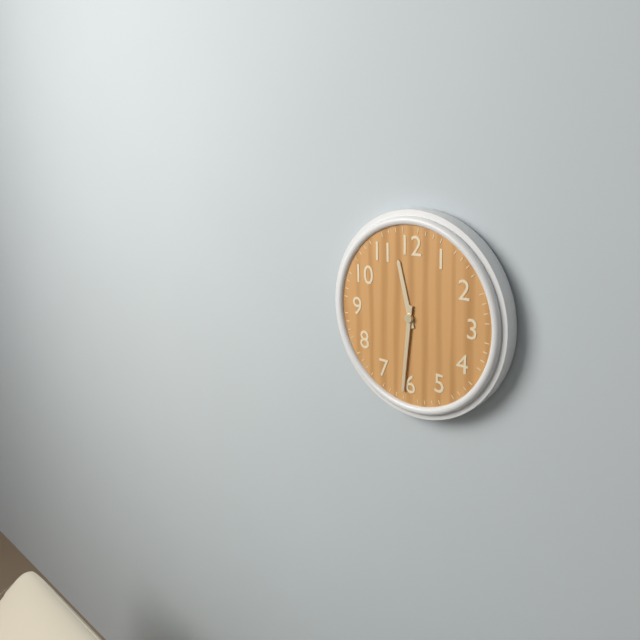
11:31
